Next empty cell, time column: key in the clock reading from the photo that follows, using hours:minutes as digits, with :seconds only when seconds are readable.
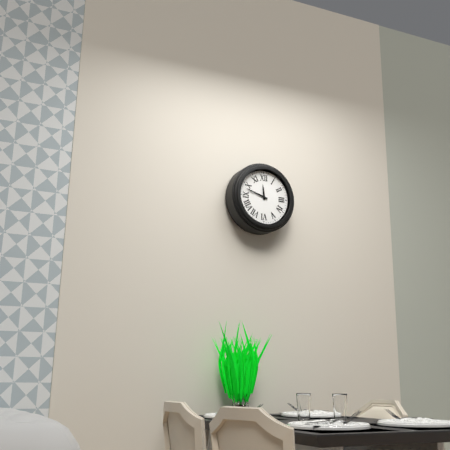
11:48
